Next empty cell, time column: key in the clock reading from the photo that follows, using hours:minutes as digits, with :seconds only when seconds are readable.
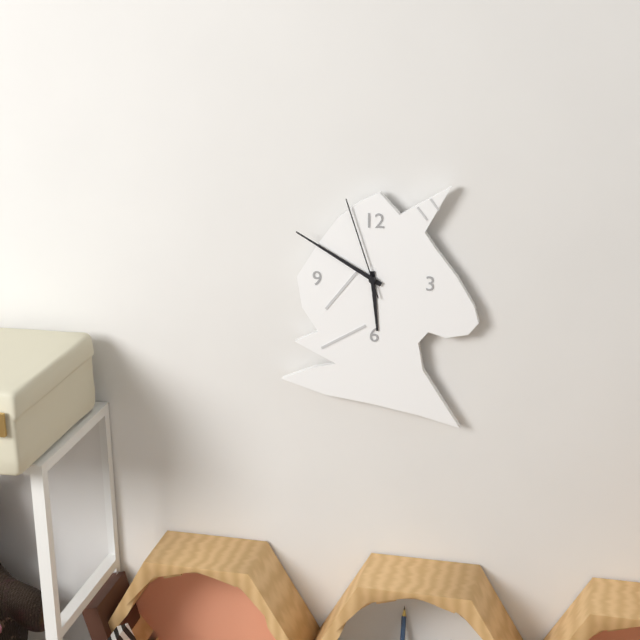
5:50:57
